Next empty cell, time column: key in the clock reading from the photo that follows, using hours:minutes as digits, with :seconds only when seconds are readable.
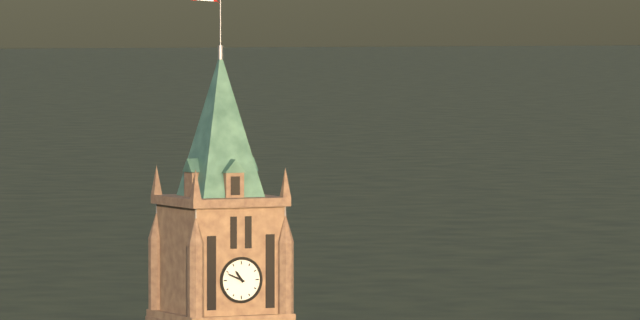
10:49
